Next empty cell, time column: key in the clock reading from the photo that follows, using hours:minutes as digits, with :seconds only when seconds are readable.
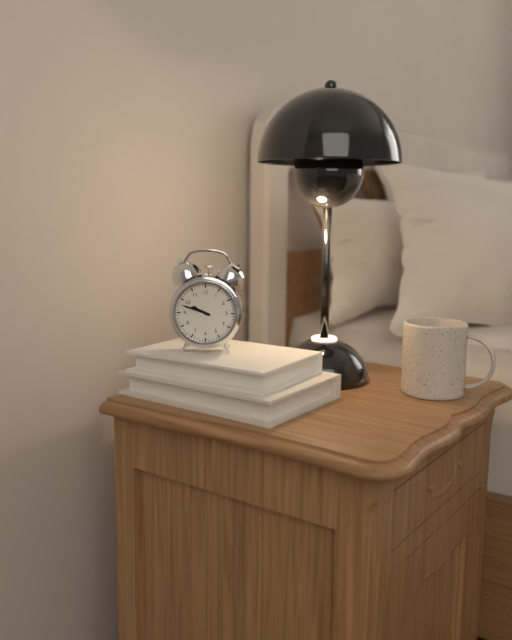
9:48
